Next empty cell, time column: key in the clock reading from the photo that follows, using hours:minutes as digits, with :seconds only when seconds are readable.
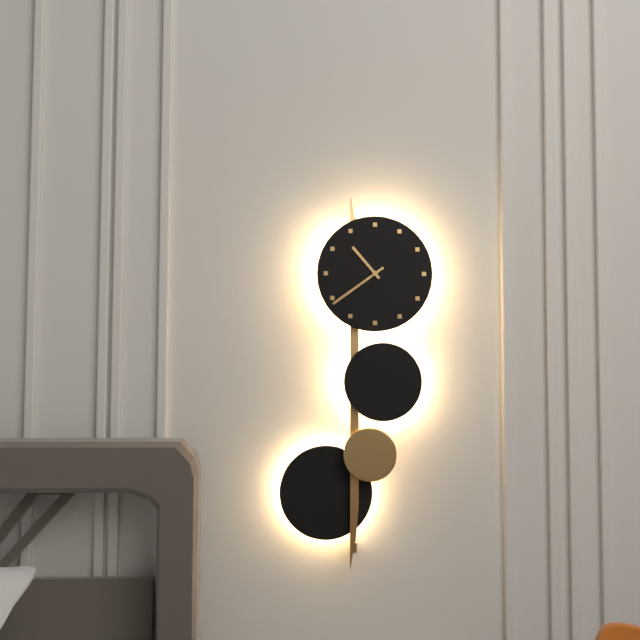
10:39
